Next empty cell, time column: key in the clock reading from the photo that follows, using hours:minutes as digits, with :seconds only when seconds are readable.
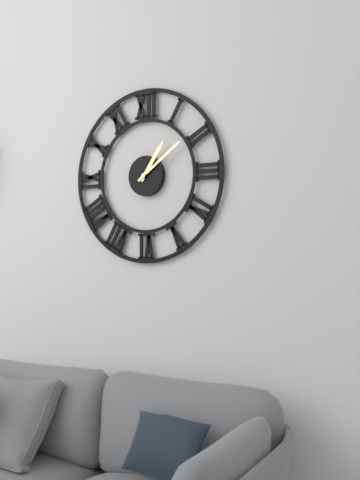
1:09
